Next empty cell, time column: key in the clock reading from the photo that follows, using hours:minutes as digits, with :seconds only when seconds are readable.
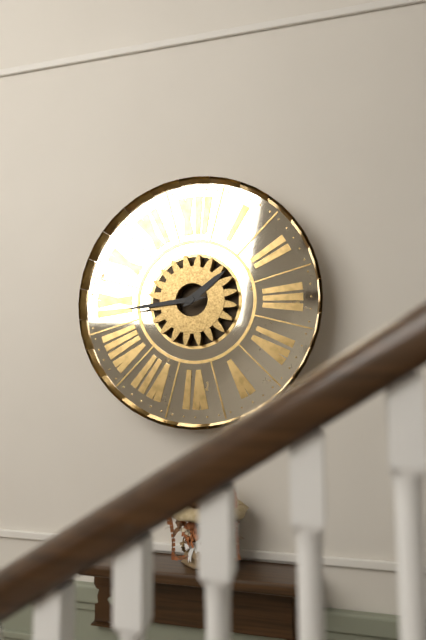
1:44
